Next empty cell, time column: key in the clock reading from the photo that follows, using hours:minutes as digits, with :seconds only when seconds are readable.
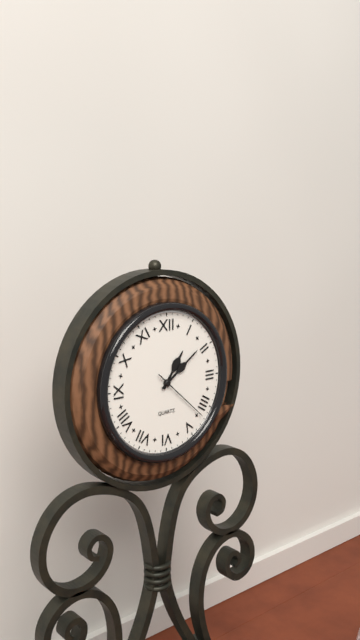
1:09:22
